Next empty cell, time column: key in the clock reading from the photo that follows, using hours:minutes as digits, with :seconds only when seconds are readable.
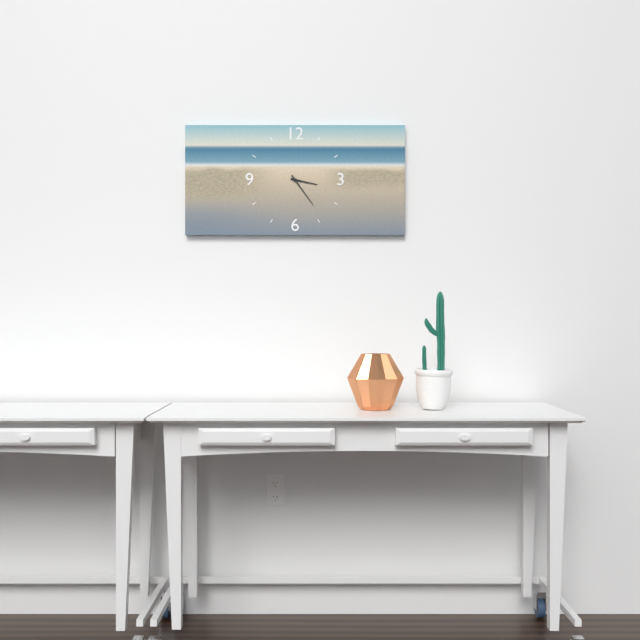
3:24
